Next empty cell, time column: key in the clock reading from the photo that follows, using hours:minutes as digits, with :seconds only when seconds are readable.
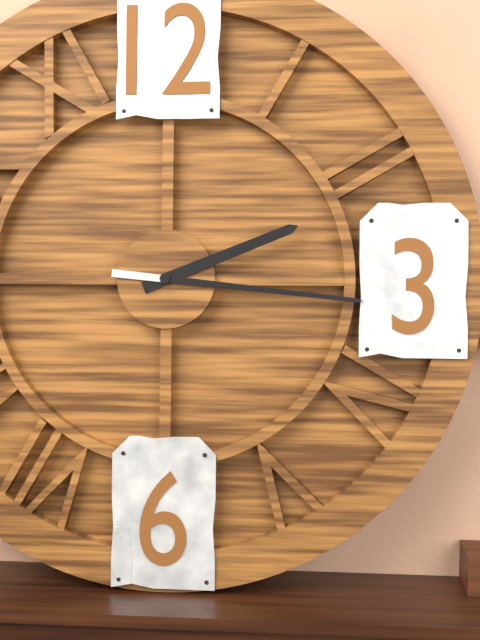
2:16
